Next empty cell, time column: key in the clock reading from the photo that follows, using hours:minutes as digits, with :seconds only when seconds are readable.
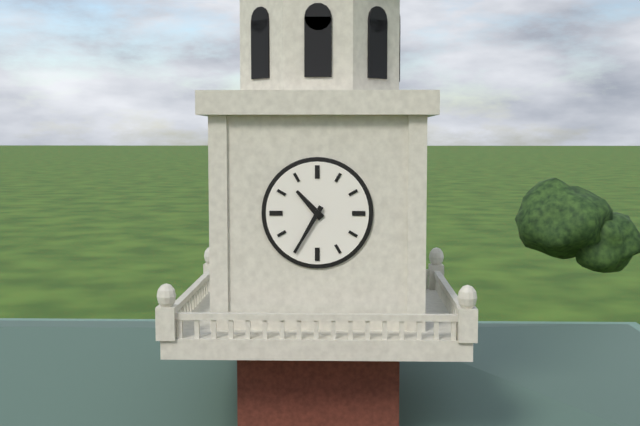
10:35
